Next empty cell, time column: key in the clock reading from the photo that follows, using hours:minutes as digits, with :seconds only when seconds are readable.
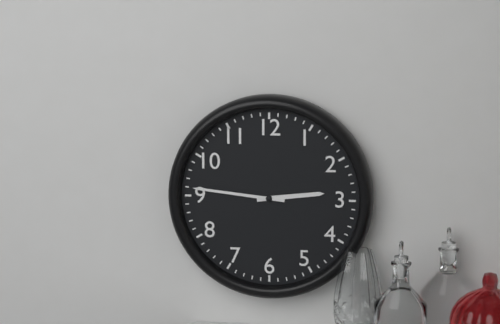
2:46
